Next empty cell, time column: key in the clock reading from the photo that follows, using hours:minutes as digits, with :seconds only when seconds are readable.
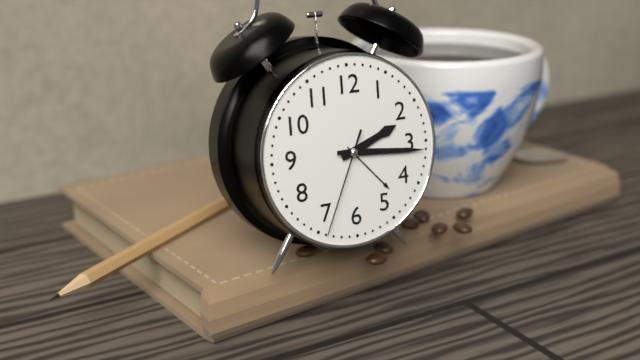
2:16:34
